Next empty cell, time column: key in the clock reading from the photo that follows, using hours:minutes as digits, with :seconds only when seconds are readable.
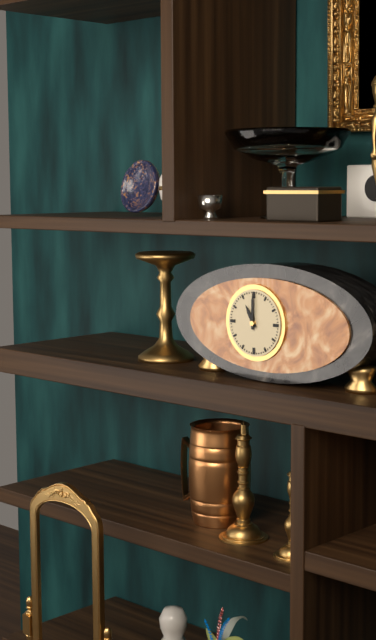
11:00
